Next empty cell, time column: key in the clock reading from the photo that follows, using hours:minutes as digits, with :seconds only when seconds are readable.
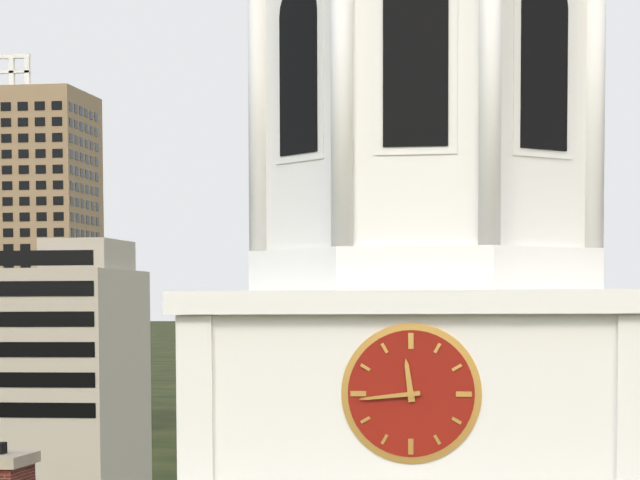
11:44
